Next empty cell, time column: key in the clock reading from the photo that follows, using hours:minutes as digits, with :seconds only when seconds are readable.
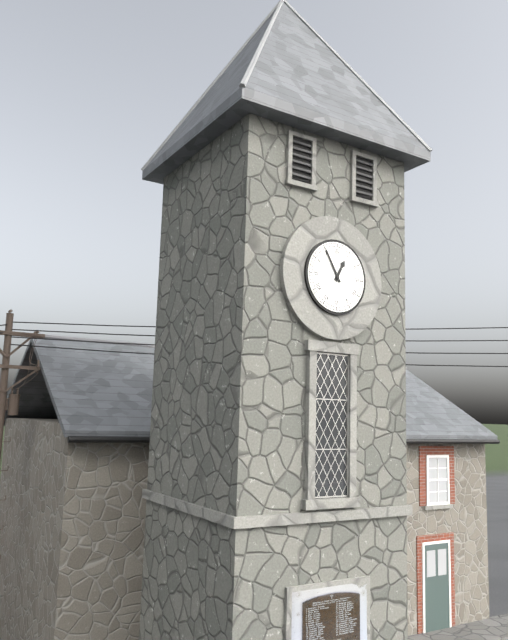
12:55
